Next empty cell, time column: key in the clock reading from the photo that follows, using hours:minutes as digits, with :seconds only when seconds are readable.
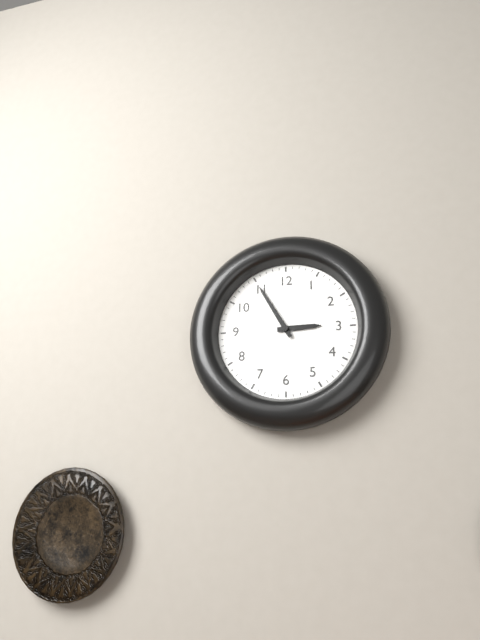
2:55
